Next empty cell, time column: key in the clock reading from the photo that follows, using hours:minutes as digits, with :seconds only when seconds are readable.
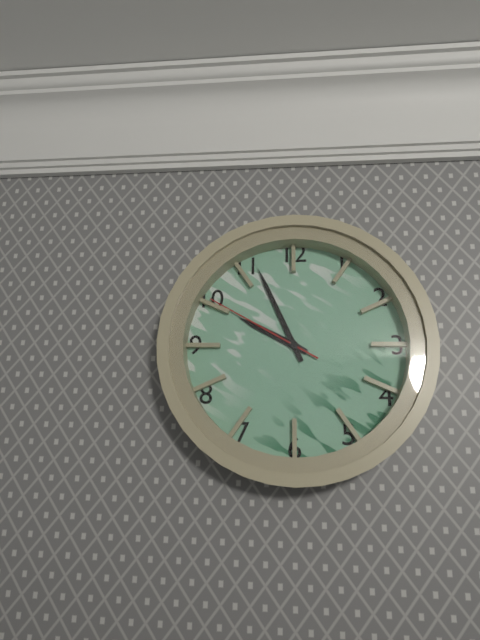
9:56:50
